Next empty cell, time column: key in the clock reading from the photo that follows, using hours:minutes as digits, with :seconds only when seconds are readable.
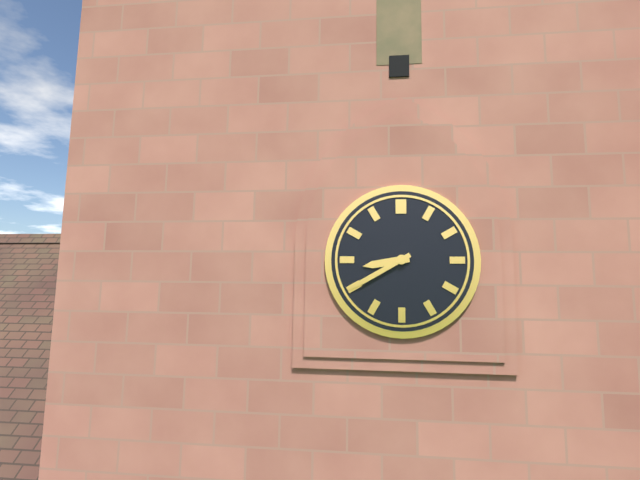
8:40
